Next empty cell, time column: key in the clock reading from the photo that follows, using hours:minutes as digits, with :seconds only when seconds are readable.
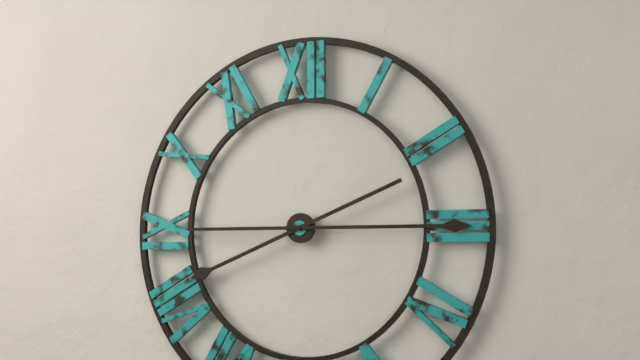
8:15
